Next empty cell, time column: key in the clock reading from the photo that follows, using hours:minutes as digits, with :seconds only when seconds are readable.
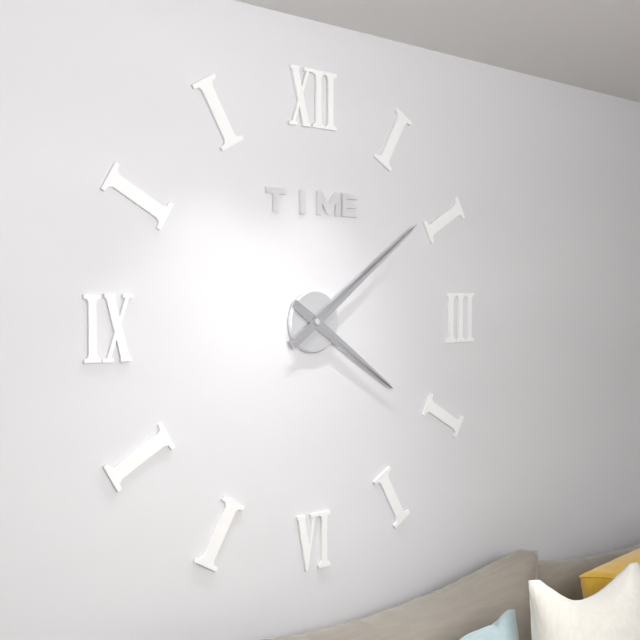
4:09
